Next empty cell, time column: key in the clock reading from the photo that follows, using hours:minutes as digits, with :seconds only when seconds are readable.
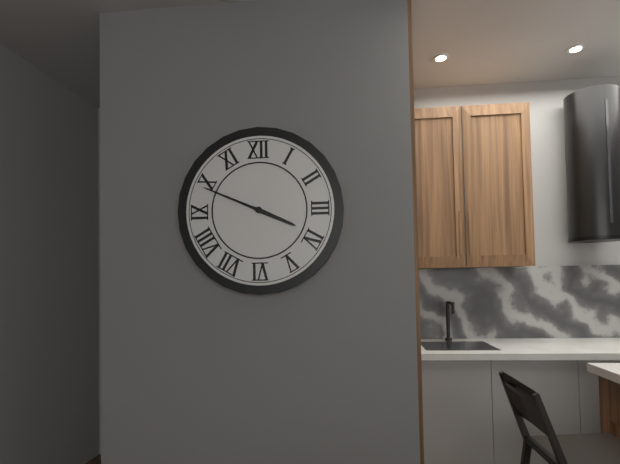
3:49
